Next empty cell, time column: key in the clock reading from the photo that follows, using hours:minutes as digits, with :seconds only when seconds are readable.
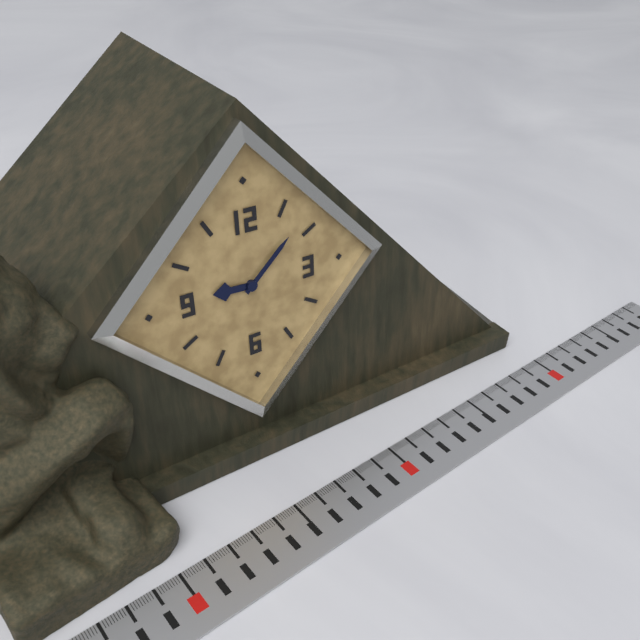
9:08
